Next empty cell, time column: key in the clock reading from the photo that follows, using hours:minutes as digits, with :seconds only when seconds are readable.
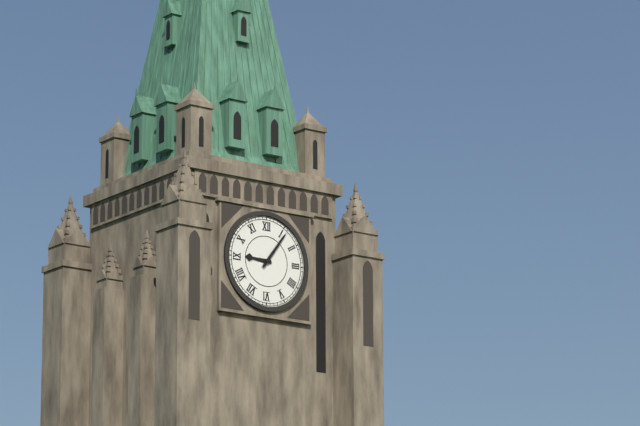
9:06
